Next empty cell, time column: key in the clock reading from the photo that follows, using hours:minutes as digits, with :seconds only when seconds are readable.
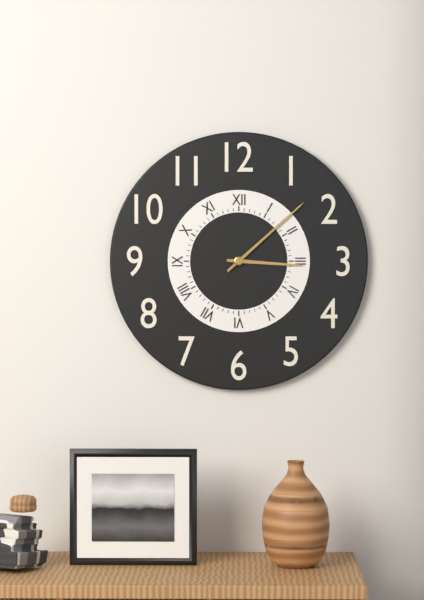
3:08
